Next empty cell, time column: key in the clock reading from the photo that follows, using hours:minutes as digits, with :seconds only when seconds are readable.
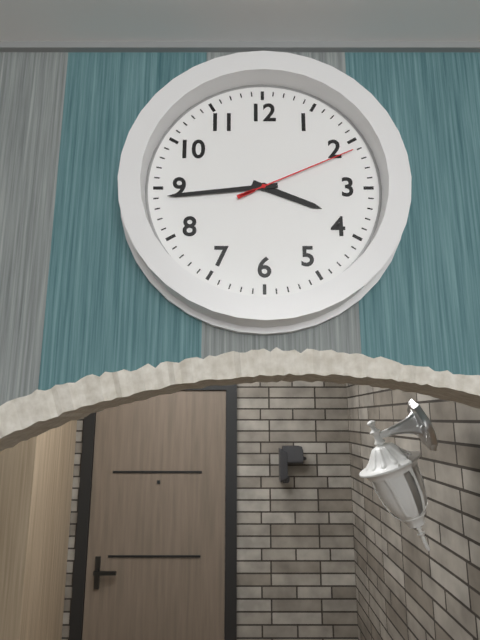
3:44:11
